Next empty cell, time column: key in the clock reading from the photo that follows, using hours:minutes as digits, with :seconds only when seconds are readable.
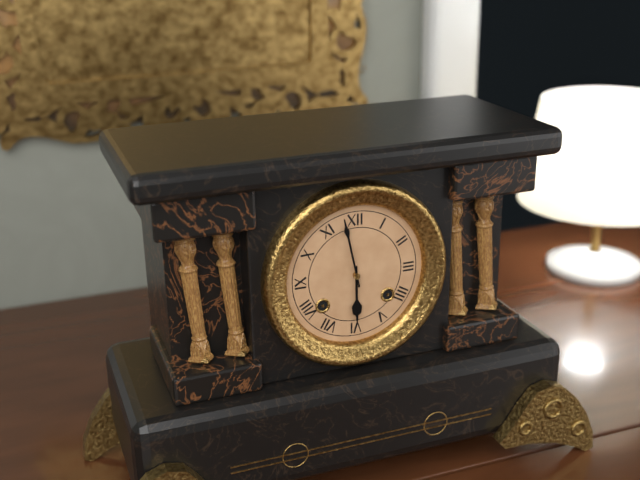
5:58
